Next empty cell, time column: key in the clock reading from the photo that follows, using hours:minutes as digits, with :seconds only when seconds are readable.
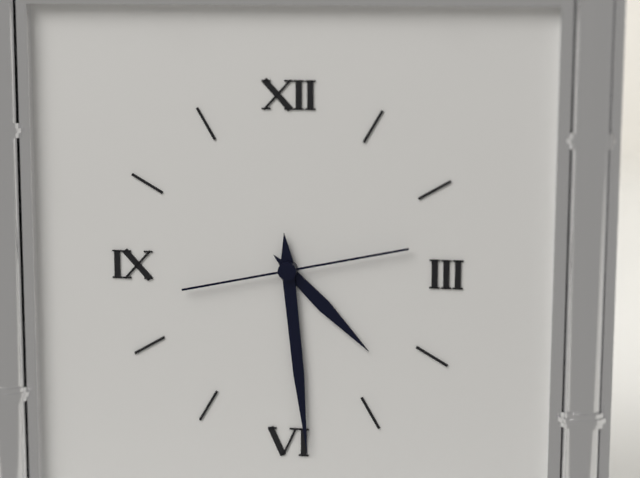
4:29:13
